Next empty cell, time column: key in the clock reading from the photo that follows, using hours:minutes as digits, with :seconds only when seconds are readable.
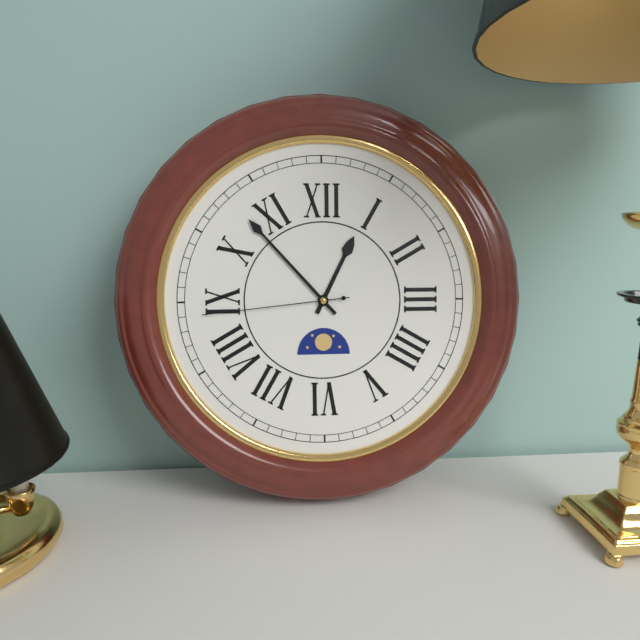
12:53:44
